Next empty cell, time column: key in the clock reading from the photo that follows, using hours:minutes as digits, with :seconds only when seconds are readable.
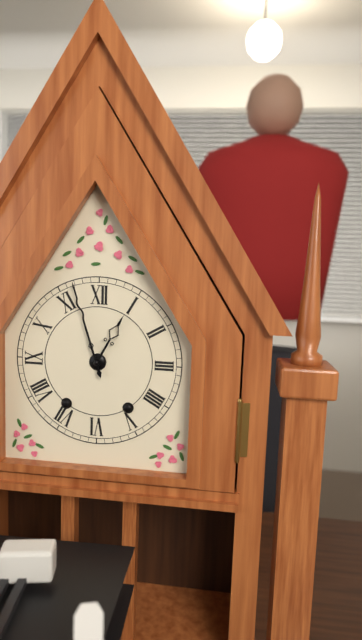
12:57
